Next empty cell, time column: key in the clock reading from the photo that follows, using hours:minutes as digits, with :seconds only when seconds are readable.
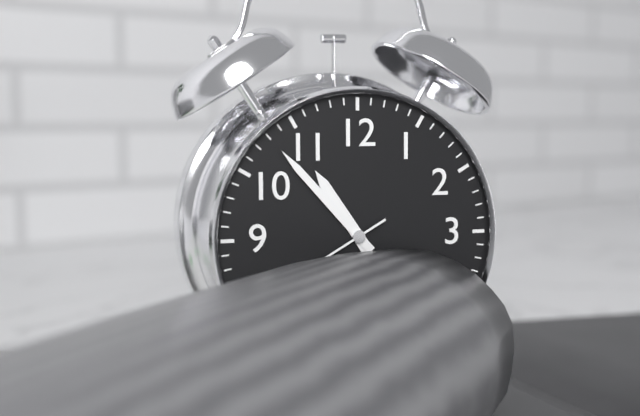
10:53
